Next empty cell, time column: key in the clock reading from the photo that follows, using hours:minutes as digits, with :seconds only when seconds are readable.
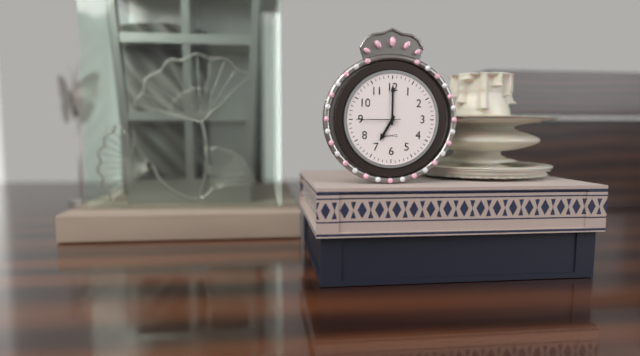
7:00
